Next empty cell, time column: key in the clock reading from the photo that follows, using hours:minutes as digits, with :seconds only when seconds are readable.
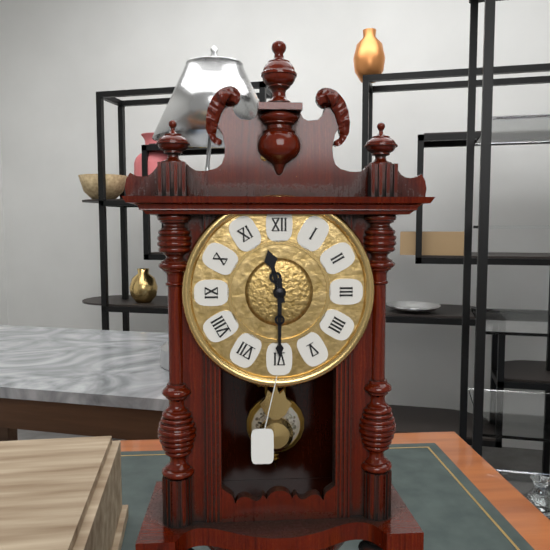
11:30
